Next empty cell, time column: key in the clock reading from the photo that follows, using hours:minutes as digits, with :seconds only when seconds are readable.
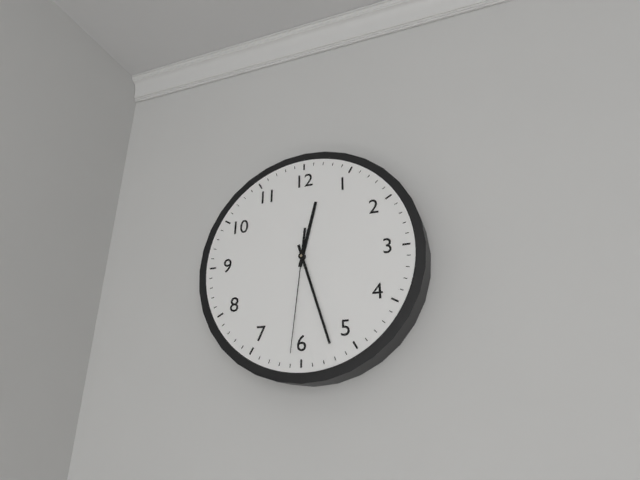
12:27:31
